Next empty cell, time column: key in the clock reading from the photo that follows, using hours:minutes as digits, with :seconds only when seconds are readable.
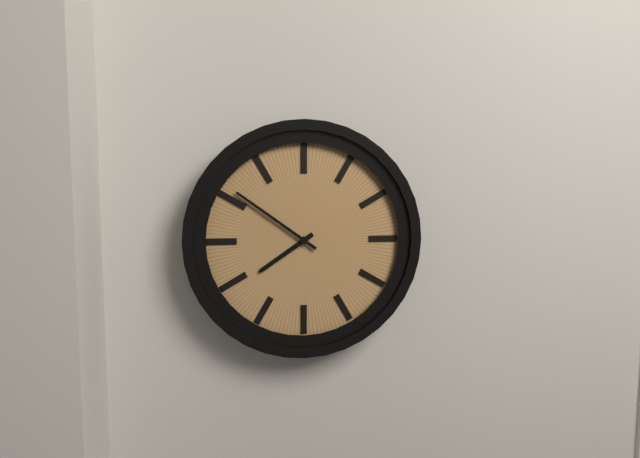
7:51
